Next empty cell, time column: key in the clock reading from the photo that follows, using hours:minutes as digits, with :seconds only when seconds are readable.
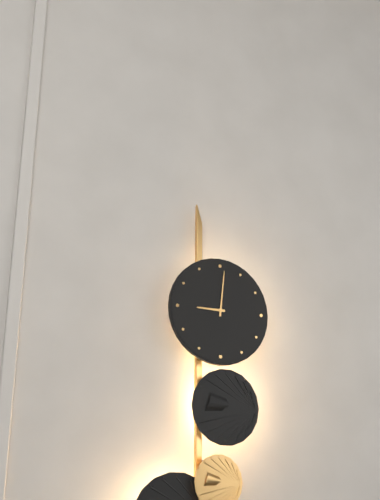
9:01
